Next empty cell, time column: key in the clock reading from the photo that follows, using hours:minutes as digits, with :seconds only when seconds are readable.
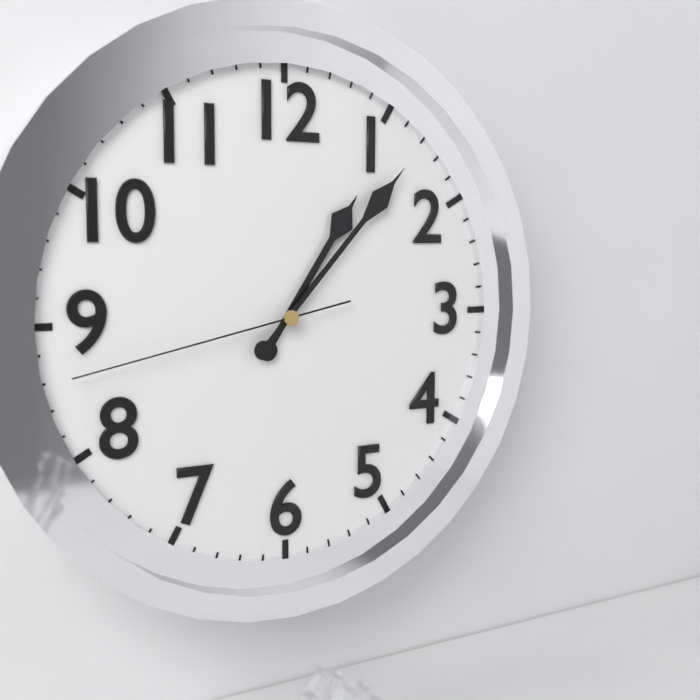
1:07:43
